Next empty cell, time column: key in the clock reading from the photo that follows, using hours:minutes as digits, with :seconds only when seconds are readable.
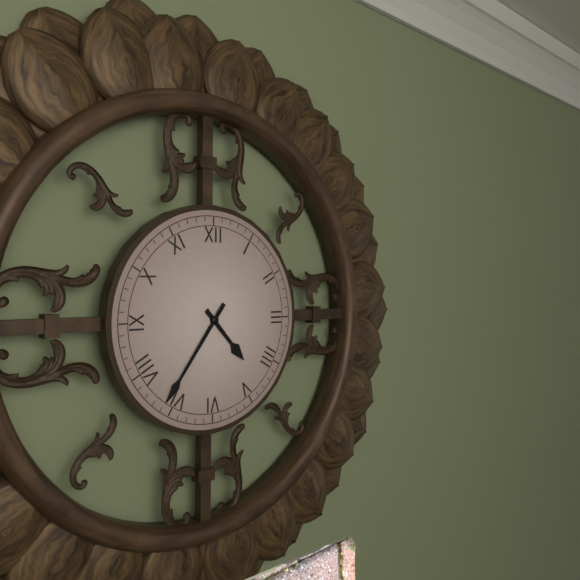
4:36
